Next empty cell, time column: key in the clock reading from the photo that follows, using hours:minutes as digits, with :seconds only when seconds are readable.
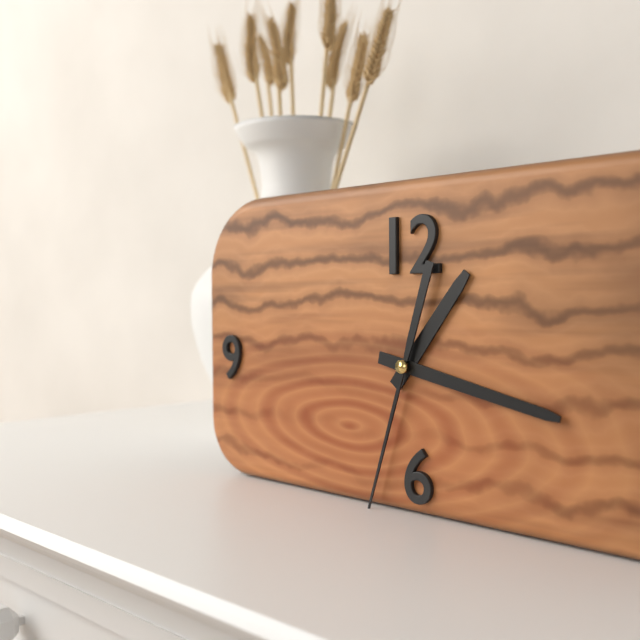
1:17:33
